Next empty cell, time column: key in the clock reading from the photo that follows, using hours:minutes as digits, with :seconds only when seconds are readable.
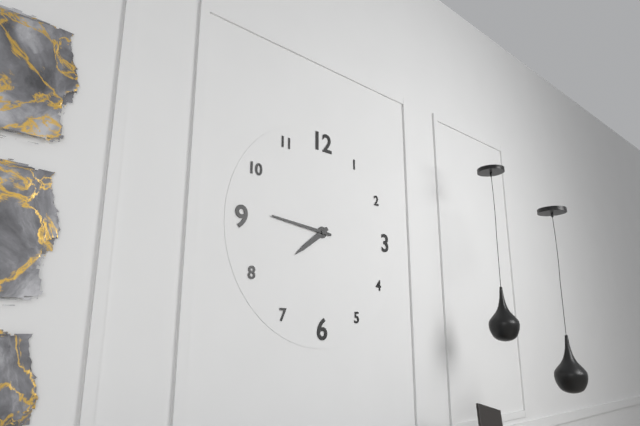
7:46
